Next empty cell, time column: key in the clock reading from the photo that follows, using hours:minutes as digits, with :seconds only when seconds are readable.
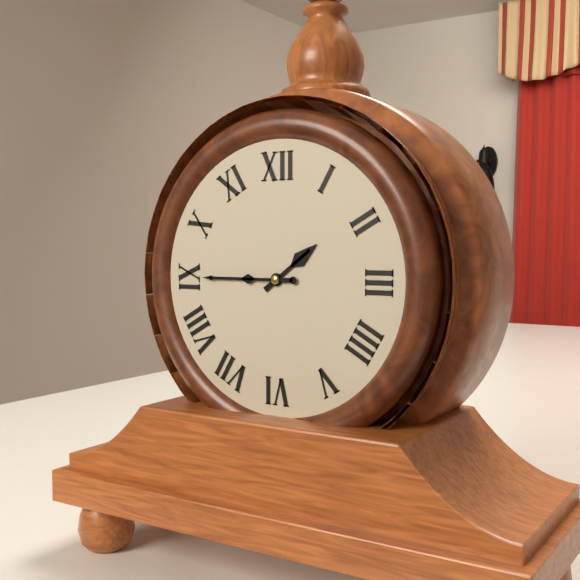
1:45
